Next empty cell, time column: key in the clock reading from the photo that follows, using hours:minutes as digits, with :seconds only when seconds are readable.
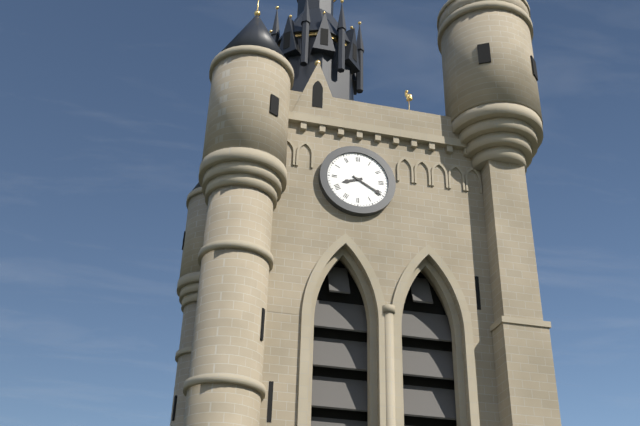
8:20
